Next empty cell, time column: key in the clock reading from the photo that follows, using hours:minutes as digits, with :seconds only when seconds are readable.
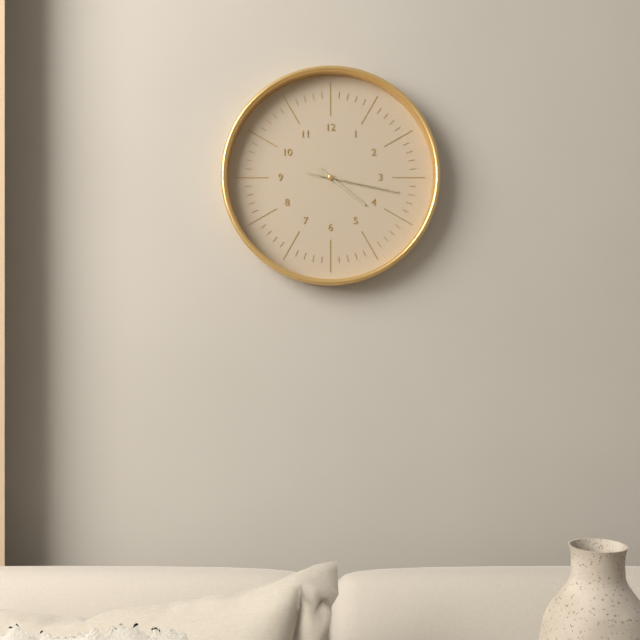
4:17:17
